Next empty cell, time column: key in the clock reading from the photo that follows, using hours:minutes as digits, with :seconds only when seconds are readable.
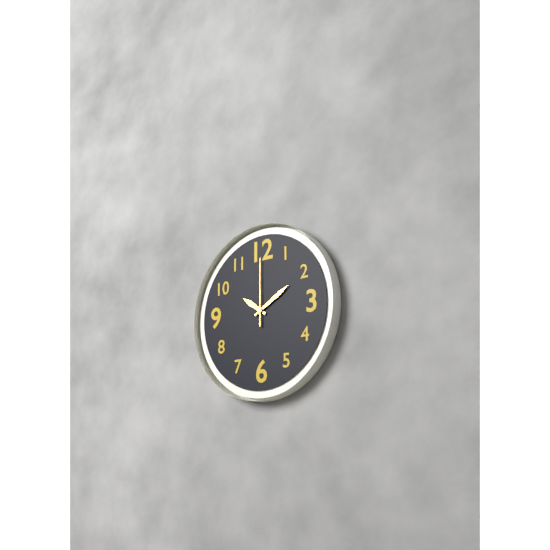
10:10:00
